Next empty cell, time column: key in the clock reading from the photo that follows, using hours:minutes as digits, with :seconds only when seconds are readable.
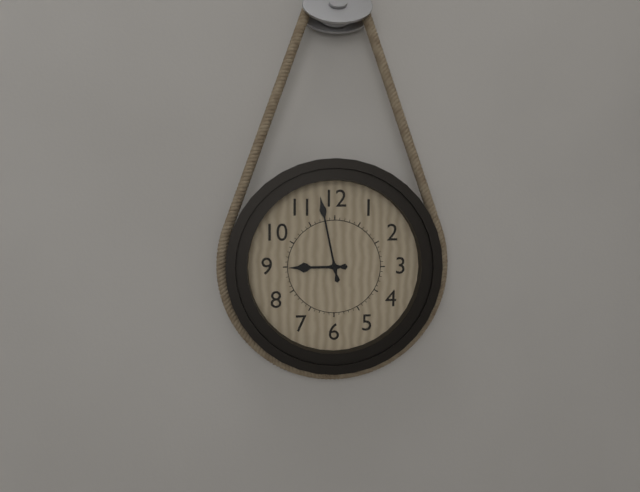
8:58
